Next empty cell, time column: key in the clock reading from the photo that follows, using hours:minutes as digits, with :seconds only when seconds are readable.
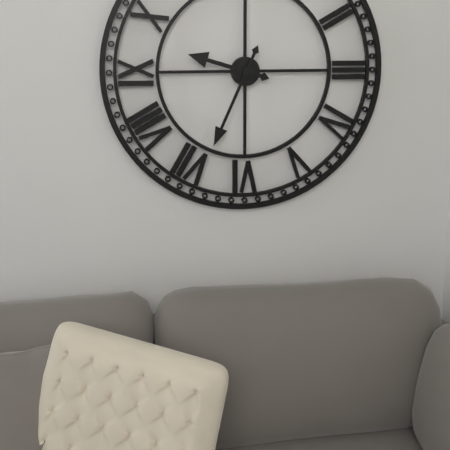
9:34
